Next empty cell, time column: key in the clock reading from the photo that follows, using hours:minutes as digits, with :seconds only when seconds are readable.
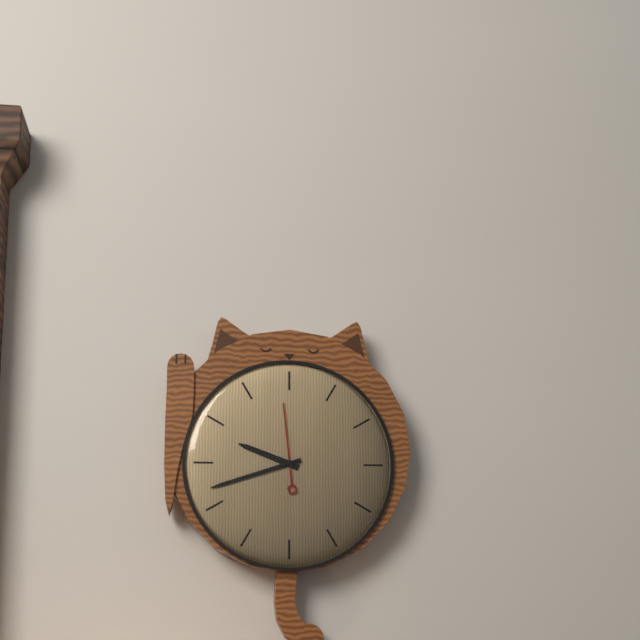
9:42:59
